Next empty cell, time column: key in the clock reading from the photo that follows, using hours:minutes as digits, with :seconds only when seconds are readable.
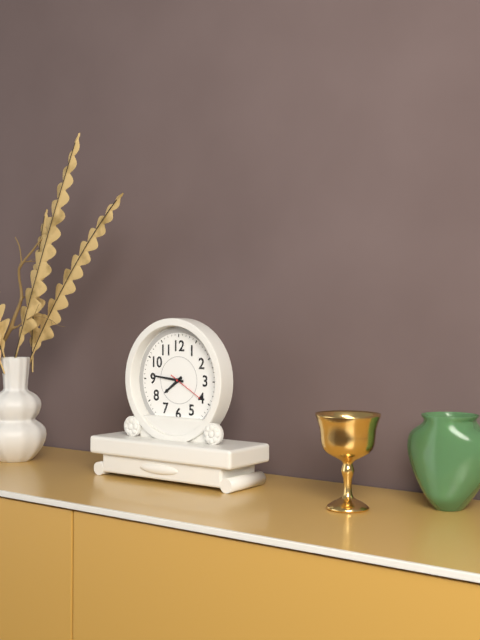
7:46
